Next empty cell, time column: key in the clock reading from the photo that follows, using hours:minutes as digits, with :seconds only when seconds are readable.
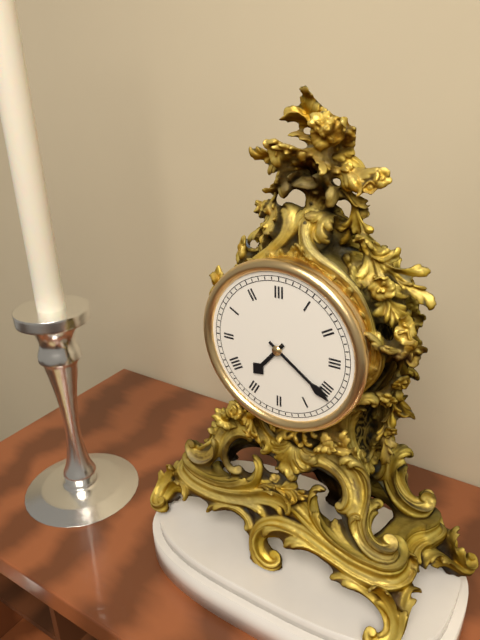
7:21
